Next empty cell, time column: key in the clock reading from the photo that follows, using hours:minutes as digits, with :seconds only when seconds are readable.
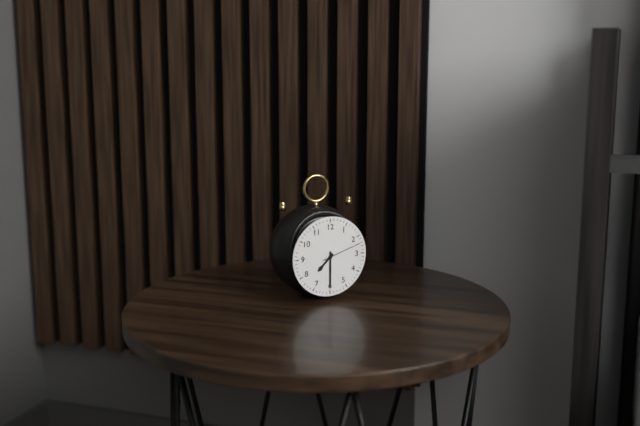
7:30:12
